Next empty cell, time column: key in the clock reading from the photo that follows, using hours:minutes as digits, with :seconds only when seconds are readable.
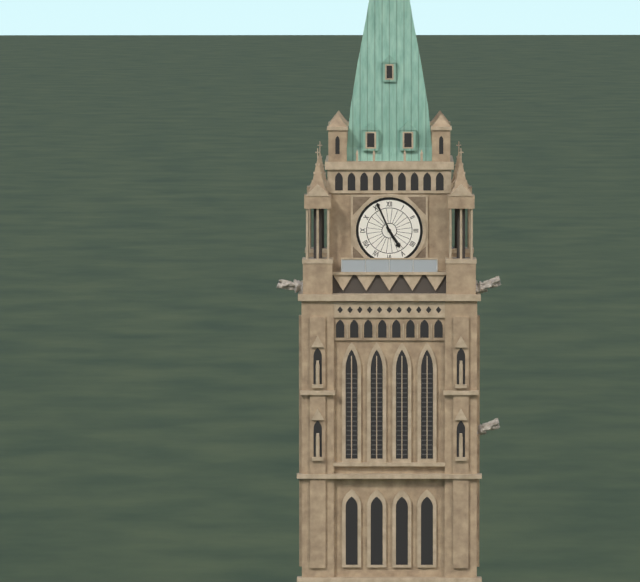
4:56
